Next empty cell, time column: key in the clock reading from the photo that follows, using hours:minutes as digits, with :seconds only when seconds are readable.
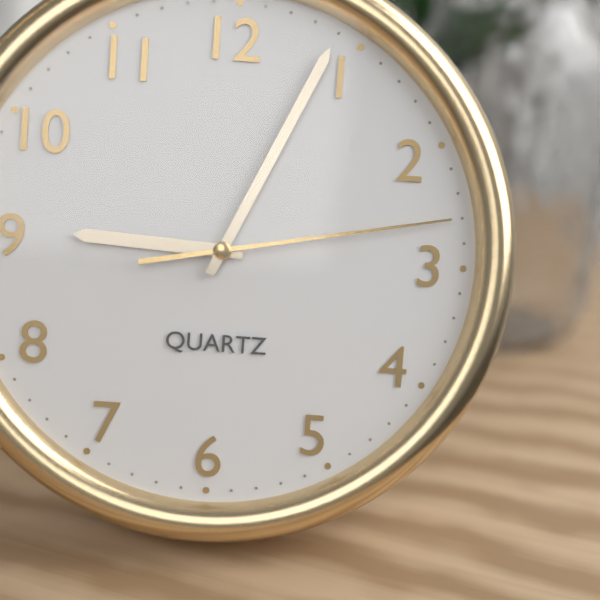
9:04:13
